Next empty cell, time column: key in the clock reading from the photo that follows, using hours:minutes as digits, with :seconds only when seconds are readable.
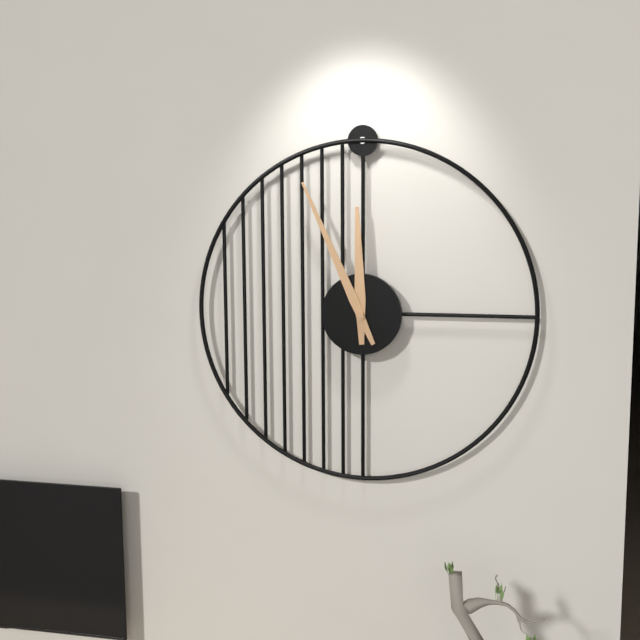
11:56
